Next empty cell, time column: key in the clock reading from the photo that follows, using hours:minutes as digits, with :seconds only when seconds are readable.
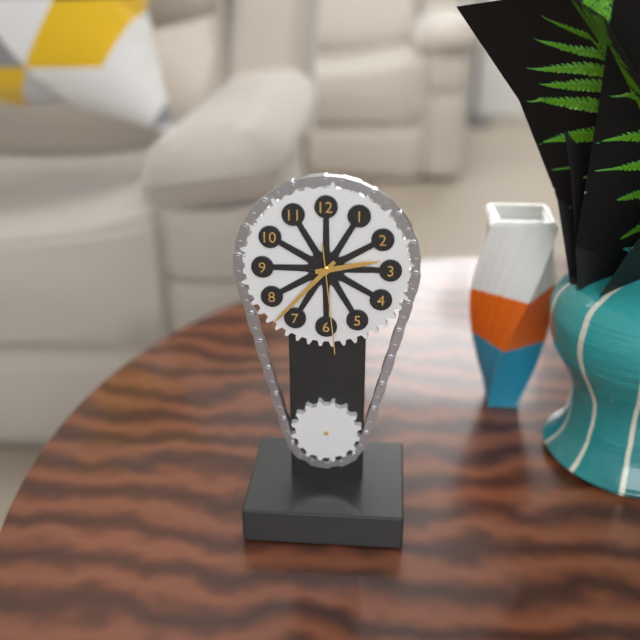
2:37:29
